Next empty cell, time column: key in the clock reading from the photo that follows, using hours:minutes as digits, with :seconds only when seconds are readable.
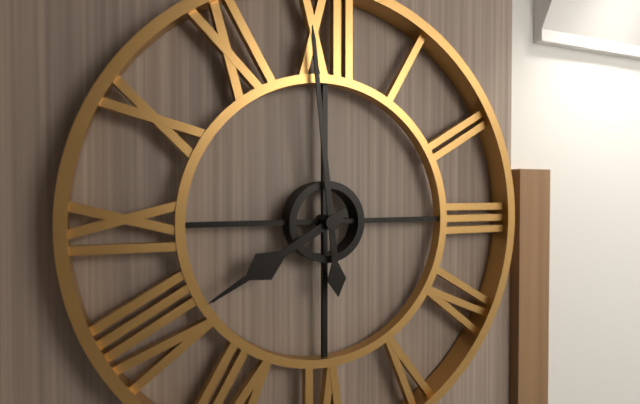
7:59
